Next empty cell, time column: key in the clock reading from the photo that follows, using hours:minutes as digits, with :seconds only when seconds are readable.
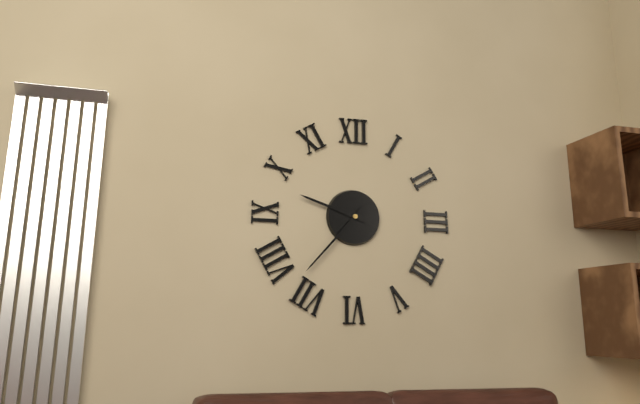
9:37
